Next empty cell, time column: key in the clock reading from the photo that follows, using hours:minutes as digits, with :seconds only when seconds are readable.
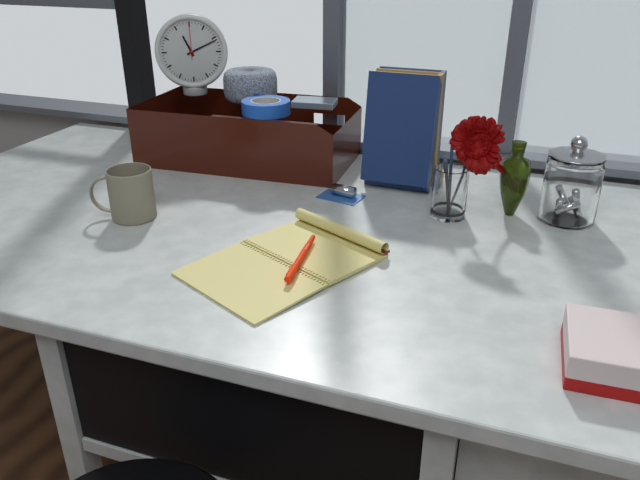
11:11
